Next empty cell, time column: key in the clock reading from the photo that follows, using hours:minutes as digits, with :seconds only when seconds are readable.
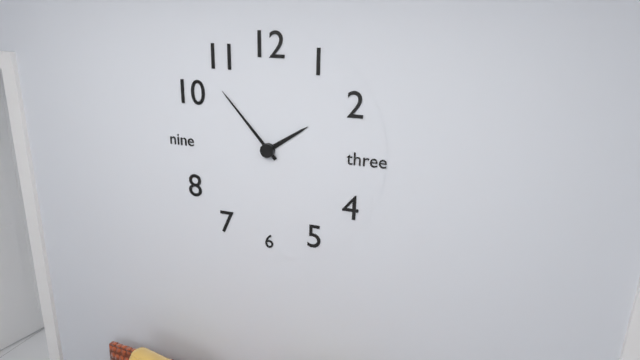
1:53
